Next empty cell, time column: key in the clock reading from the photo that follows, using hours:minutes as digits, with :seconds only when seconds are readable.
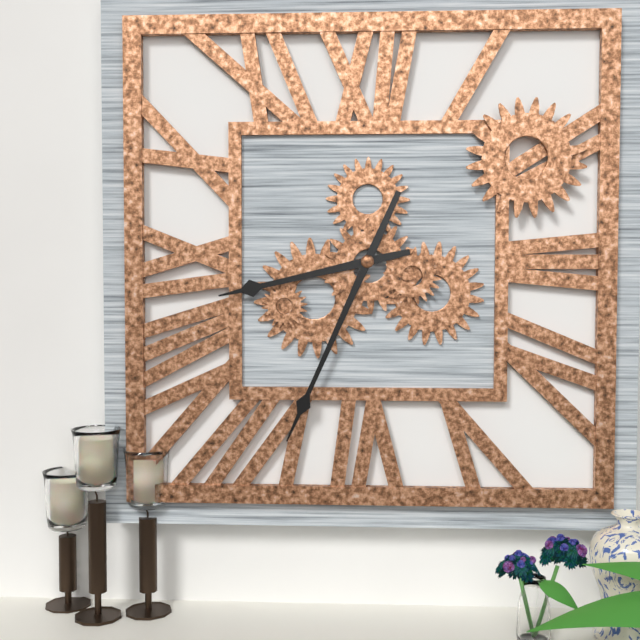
8:34
